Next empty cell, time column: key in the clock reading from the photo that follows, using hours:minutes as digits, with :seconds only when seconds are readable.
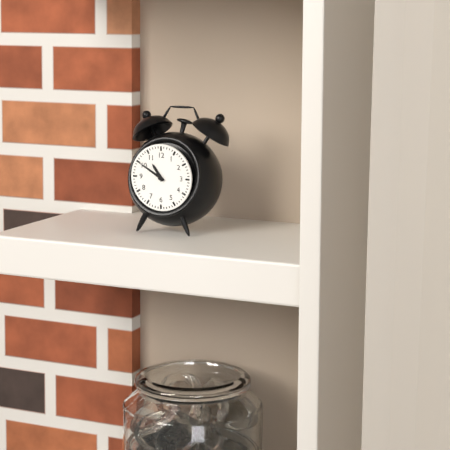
10:50
